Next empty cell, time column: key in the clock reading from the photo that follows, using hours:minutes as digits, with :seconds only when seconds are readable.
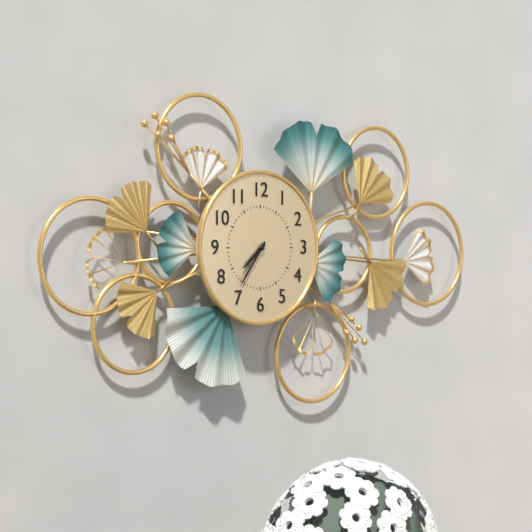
7:36
